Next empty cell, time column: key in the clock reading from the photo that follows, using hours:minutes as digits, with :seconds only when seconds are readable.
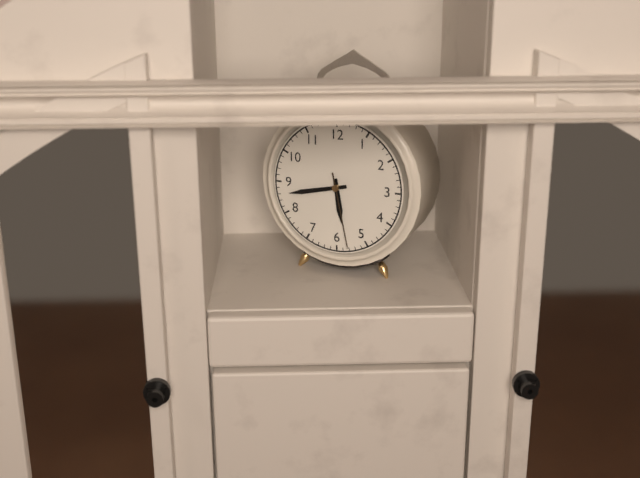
5:43:28
